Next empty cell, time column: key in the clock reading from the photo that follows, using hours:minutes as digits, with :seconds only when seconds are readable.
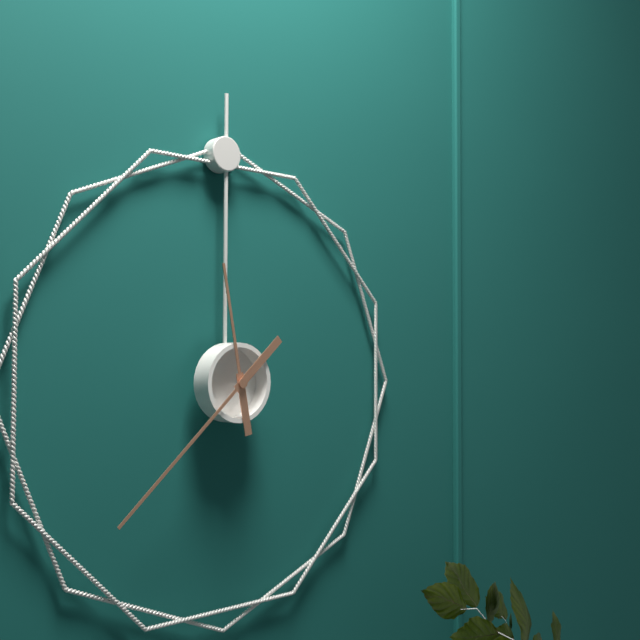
11:38
